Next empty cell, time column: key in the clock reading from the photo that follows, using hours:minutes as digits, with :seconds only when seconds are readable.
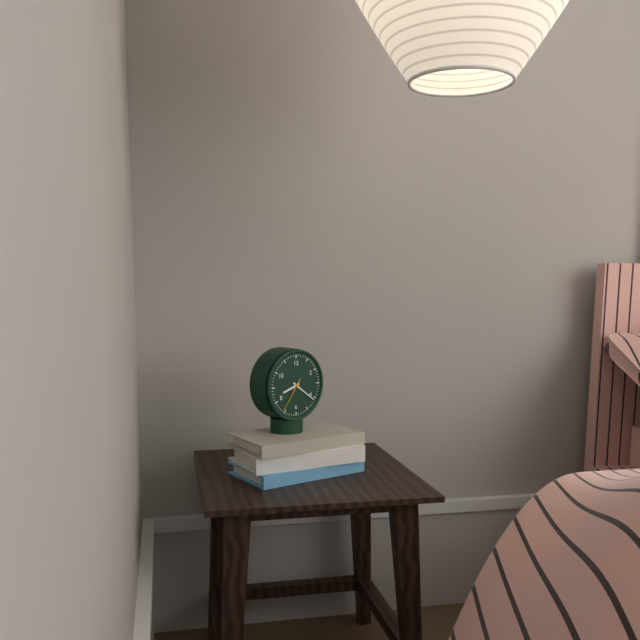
8:21
